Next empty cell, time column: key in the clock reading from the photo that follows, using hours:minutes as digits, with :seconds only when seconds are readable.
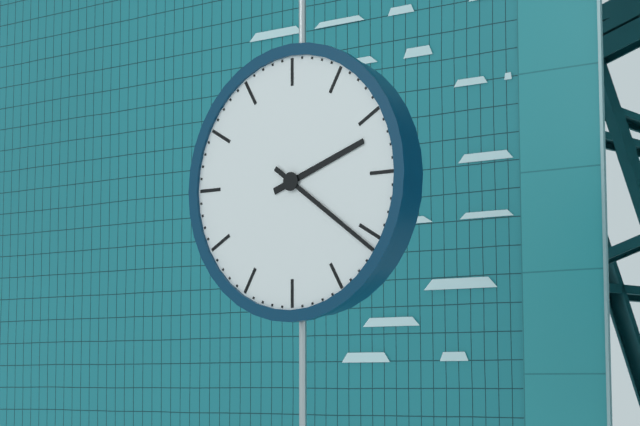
2:21
